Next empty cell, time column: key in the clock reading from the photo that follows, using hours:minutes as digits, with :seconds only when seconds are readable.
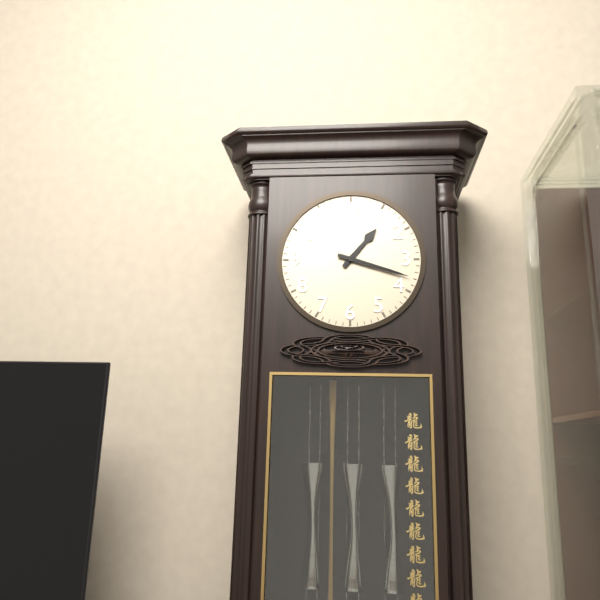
1:18
